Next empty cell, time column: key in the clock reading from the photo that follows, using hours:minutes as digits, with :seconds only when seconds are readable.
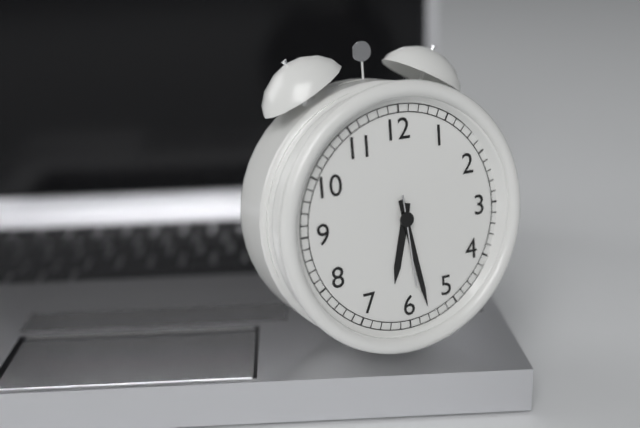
6:28:29
